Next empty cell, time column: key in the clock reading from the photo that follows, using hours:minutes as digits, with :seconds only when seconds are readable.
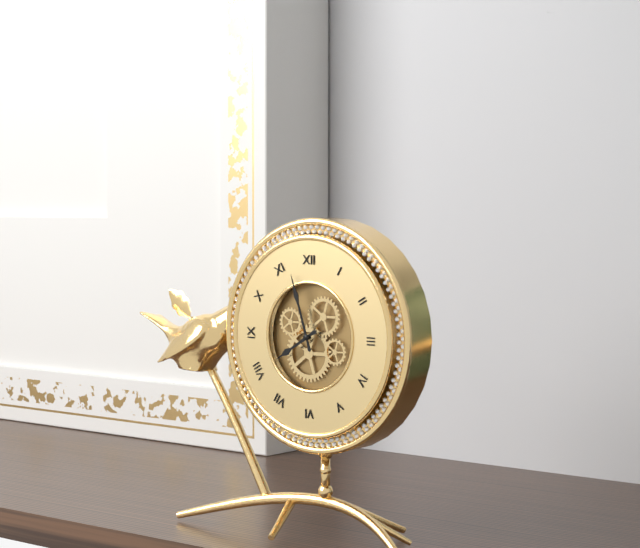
7:57
